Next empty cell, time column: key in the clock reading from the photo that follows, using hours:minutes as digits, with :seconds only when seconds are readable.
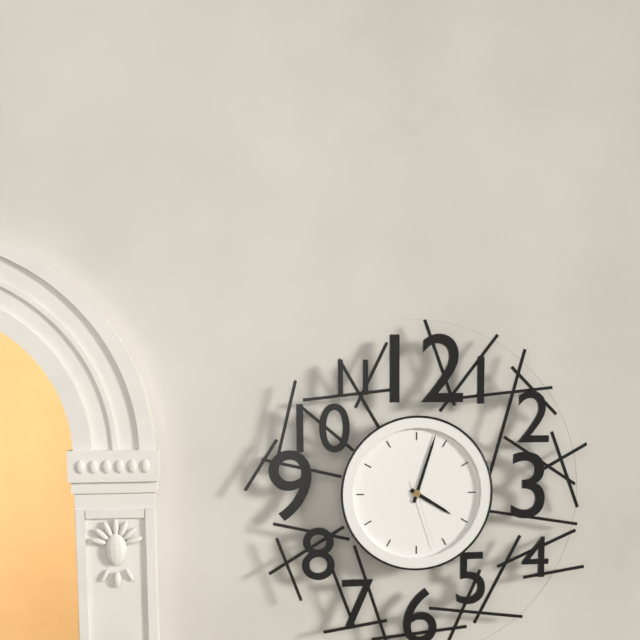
4:03:27
